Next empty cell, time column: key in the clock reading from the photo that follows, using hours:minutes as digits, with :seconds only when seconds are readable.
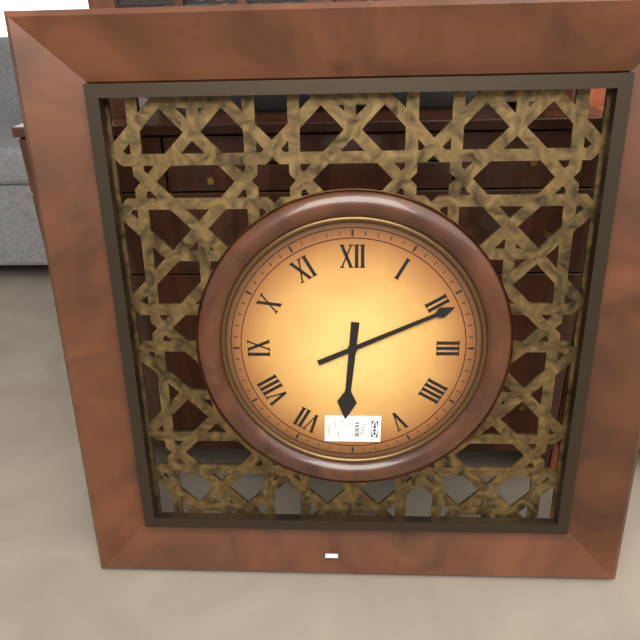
6:11
